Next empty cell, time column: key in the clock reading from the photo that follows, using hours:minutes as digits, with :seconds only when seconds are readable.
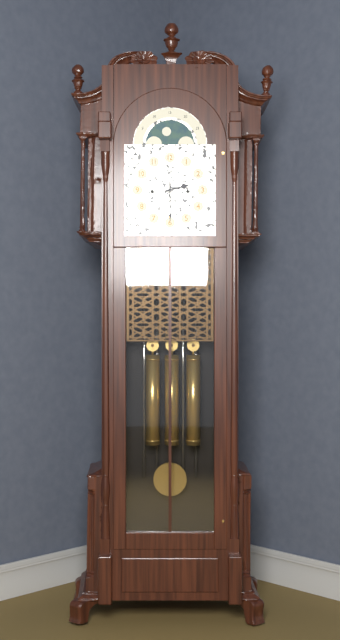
2:30
